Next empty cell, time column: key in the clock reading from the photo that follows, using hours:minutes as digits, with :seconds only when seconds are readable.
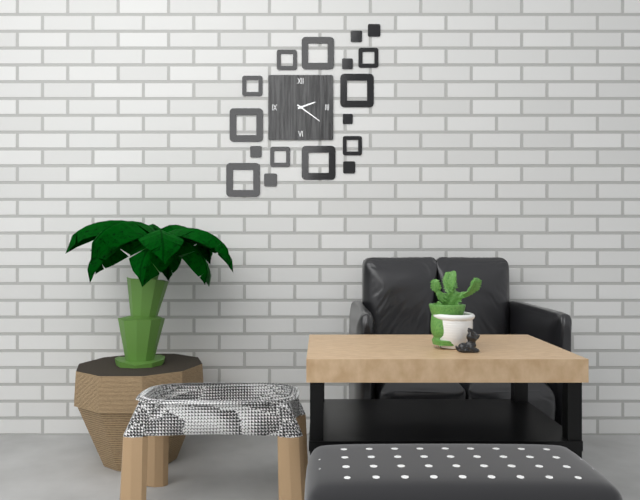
2:21
